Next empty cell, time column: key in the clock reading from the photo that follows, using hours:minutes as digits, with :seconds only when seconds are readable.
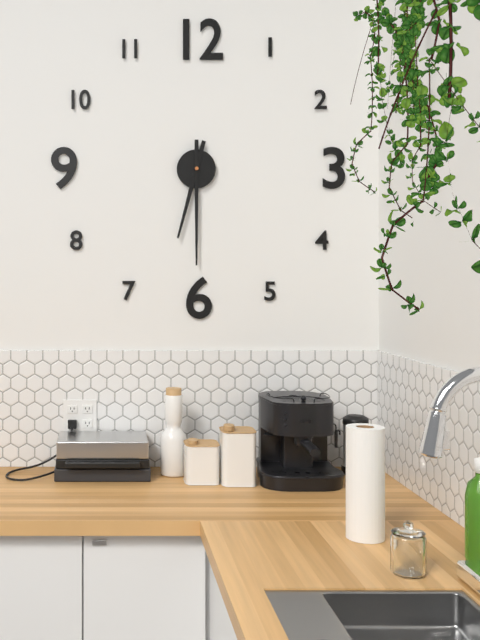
6:30
